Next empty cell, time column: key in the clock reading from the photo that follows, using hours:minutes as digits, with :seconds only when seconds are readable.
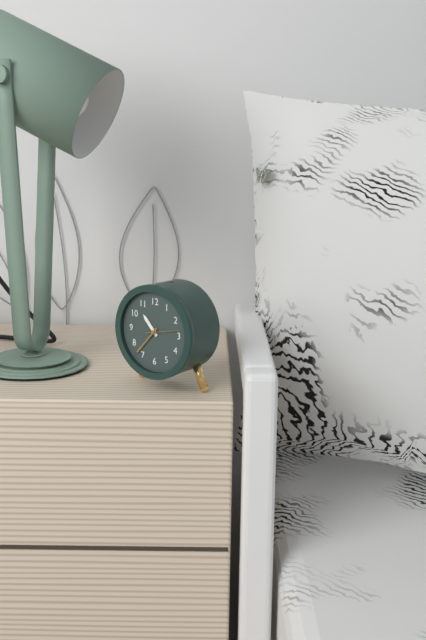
10:37
